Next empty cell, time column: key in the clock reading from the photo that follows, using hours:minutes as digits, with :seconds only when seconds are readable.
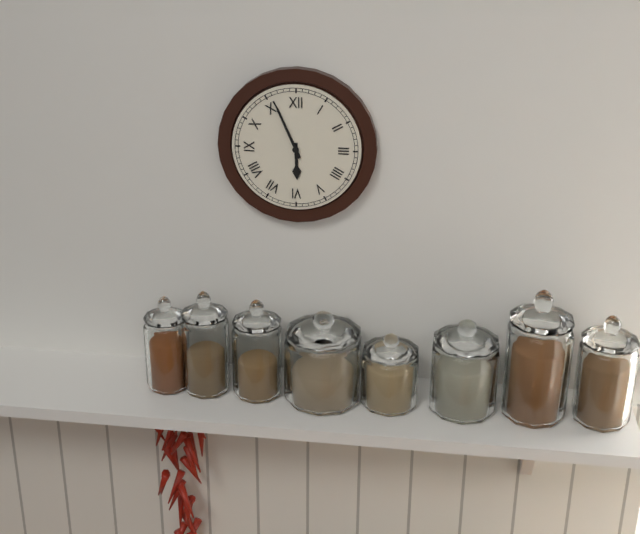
5:56
